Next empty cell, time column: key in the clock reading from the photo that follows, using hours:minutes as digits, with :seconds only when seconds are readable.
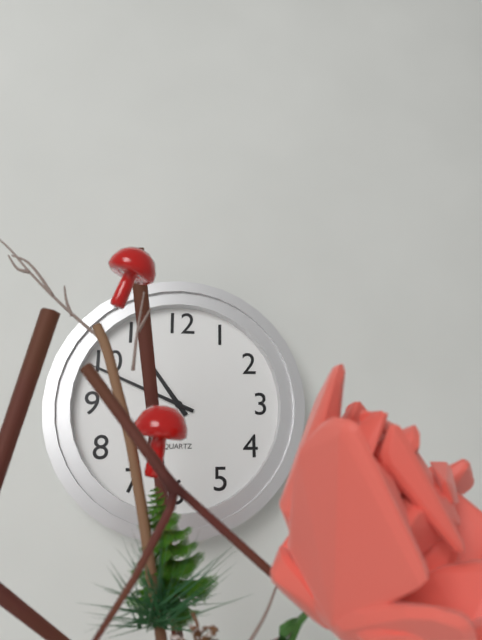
10:49
